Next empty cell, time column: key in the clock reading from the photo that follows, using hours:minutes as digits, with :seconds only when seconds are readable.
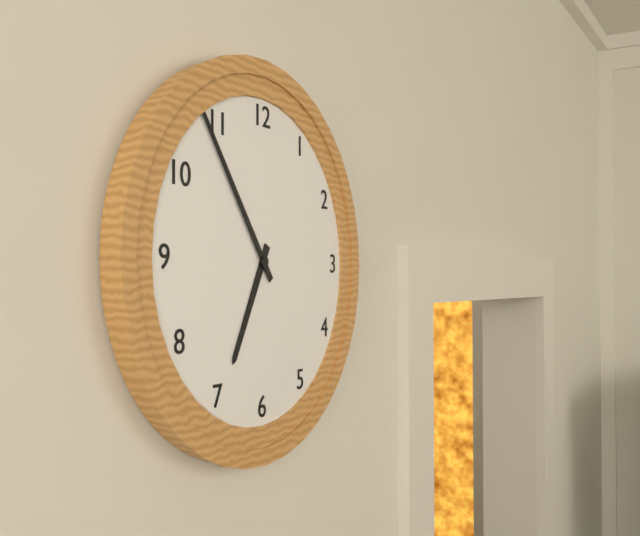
6:54
